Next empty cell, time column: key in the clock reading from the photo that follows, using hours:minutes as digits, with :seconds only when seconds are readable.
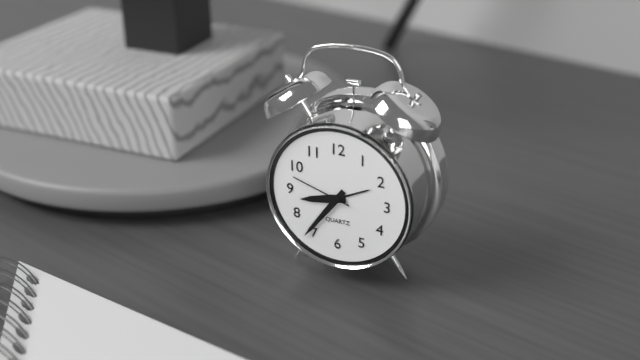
8:36:48
